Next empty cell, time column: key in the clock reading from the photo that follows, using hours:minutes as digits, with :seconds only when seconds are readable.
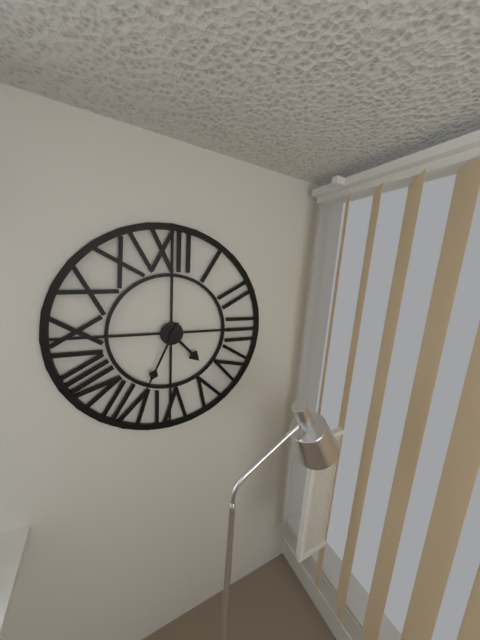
4:34
